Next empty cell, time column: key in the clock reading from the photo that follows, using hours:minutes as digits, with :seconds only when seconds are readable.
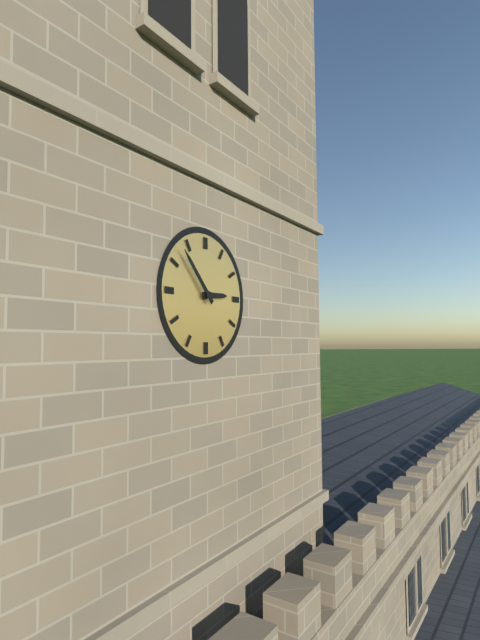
2:53
